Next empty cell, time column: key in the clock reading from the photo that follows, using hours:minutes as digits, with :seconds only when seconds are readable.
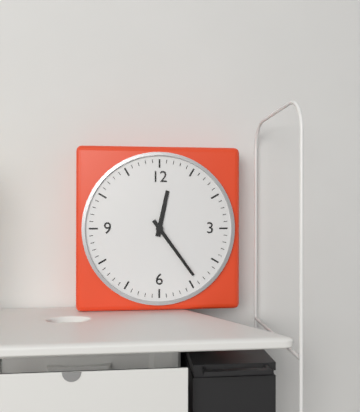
12:24
